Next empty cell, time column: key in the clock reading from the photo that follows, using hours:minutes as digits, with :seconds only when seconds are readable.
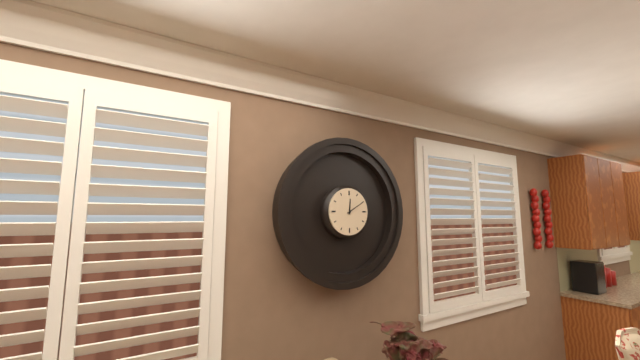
12:10
